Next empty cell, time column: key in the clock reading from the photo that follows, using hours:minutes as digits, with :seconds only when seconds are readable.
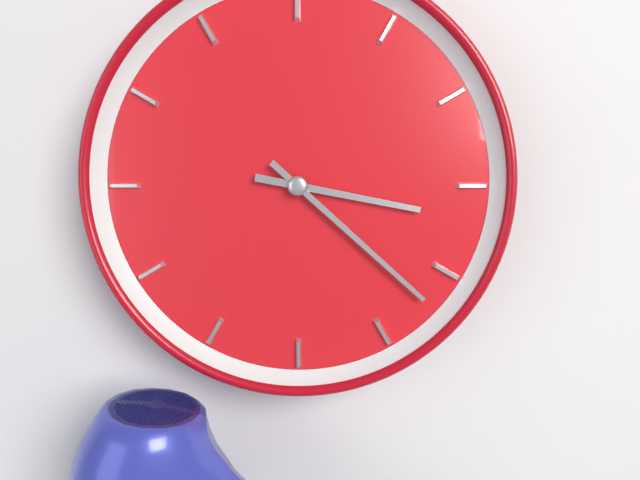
3:22
